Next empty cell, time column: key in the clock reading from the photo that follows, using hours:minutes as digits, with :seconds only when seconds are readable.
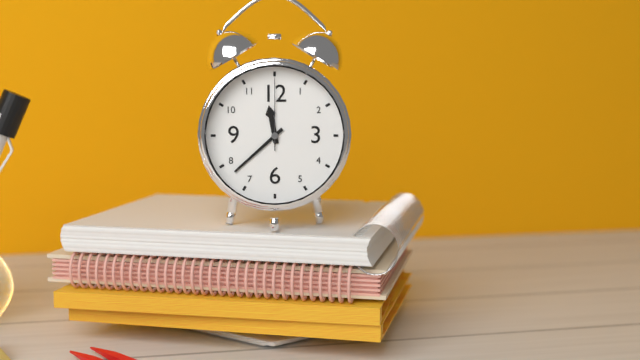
11:38:00
